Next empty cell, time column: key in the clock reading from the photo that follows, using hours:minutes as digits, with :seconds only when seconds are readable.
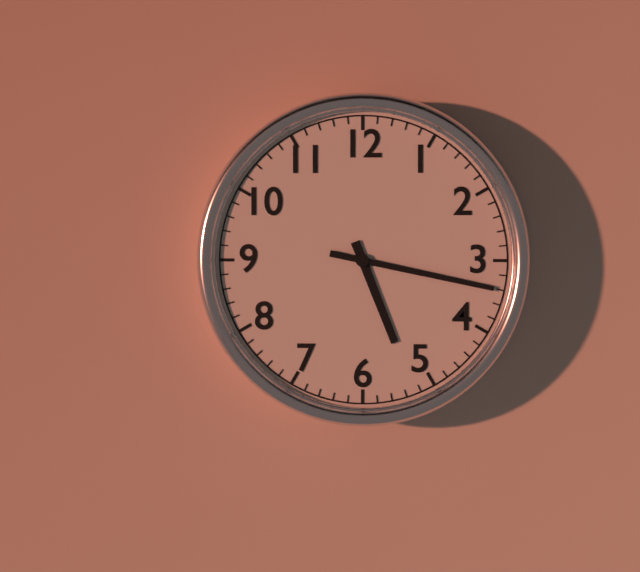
5:17
